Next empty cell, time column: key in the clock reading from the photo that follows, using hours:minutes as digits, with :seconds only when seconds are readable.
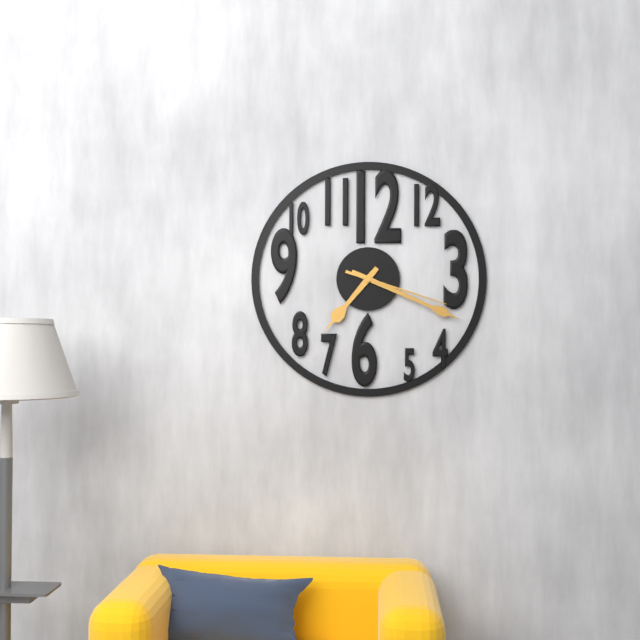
7:19:18
